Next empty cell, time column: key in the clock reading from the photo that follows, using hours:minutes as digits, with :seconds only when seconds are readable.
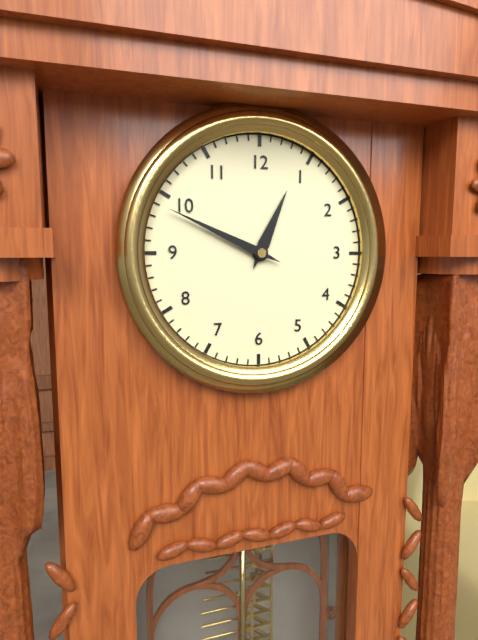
12:49
